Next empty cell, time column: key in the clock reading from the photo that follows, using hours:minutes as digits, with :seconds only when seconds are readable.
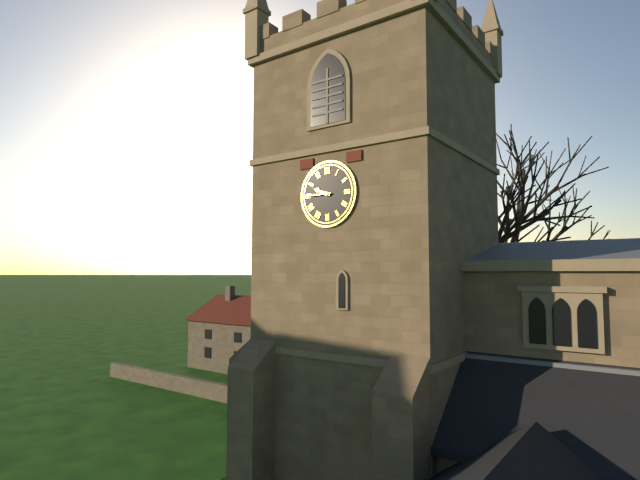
9:45
